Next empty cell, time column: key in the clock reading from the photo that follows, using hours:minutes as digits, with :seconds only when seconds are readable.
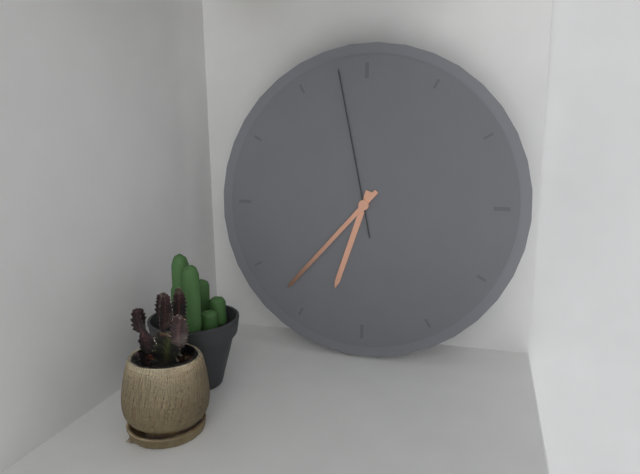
6:37:58
